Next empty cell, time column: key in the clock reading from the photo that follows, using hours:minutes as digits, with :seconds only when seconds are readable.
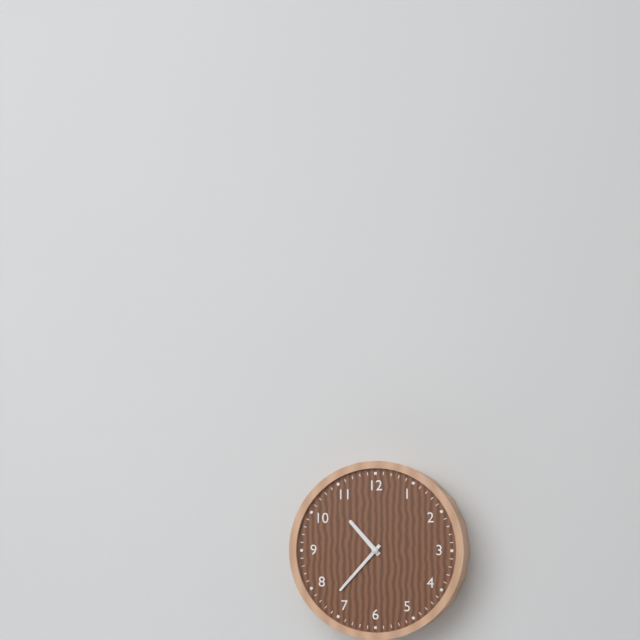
10:37
